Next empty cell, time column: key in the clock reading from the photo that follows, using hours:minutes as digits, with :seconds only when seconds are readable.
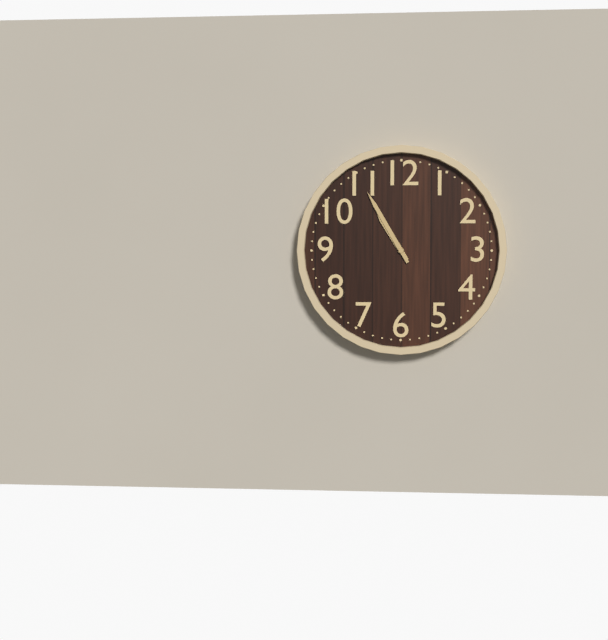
10:55
